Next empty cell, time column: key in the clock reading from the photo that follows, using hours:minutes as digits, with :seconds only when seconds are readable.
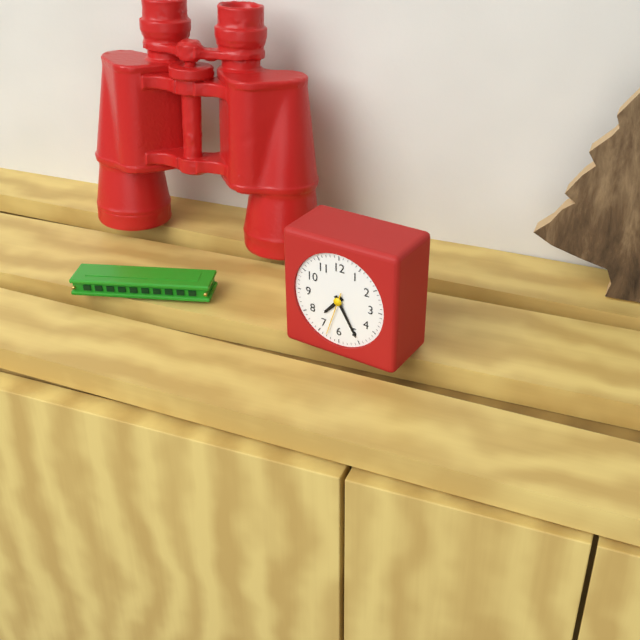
7:25
